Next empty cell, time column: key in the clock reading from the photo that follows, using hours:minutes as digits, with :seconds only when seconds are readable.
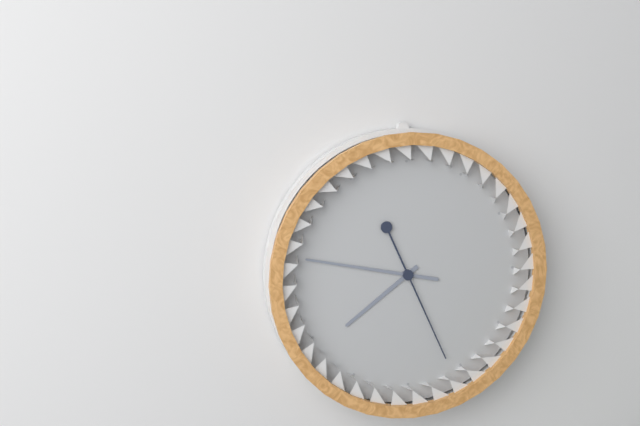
7:47:26
